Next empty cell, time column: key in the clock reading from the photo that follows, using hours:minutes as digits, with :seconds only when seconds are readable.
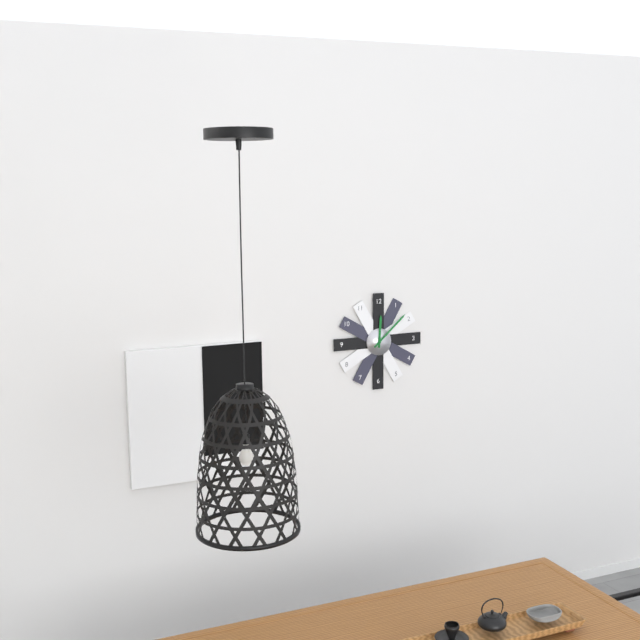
12:08
